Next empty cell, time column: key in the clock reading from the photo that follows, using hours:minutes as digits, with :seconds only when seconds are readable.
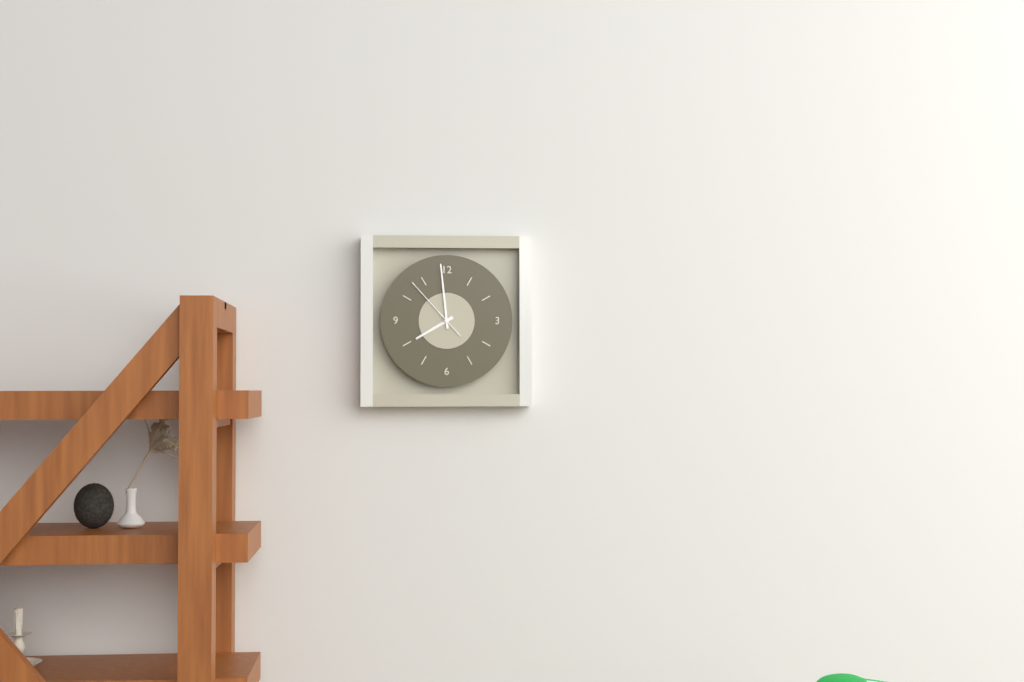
7:59:53
